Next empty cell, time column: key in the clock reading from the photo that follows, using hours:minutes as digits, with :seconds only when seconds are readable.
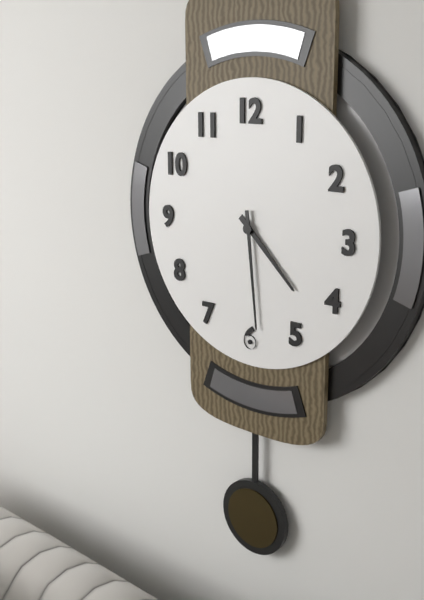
4:29
